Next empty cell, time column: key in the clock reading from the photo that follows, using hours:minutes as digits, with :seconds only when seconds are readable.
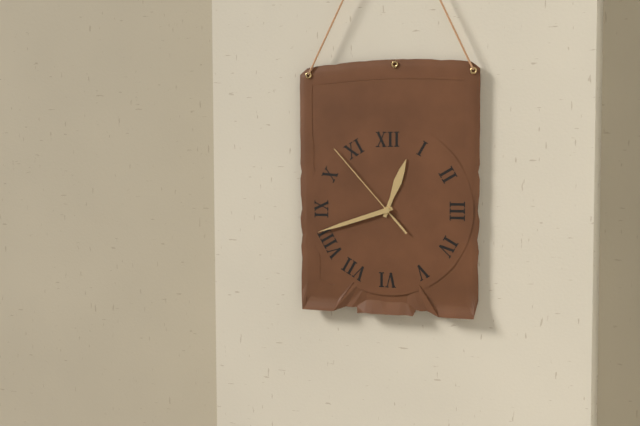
12:42:53
